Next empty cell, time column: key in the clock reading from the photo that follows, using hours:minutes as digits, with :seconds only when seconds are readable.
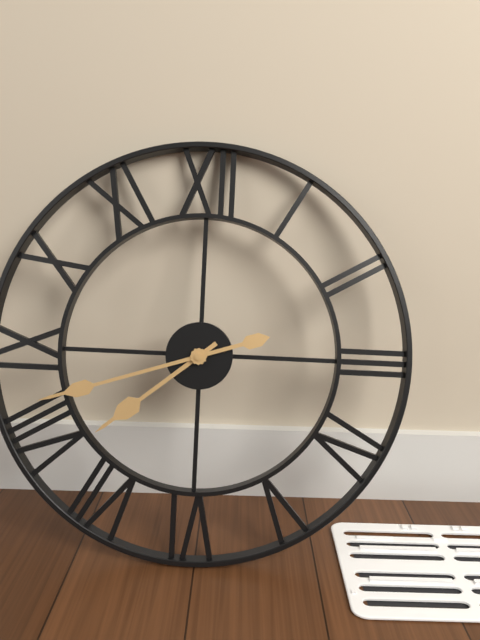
7:42
